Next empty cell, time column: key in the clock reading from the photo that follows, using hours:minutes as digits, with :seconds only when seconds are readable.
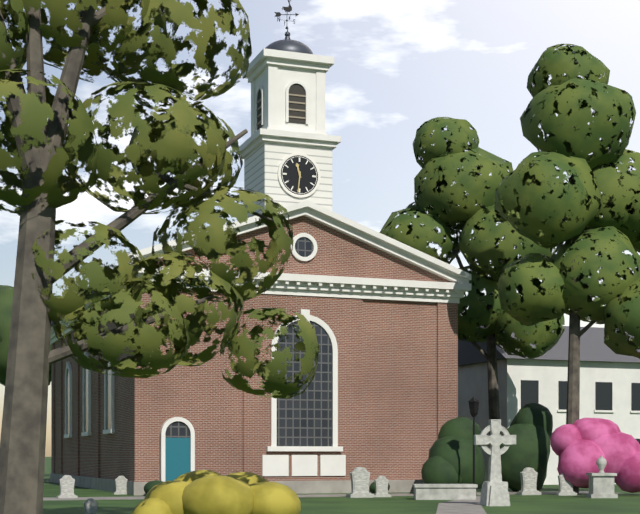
11:31
